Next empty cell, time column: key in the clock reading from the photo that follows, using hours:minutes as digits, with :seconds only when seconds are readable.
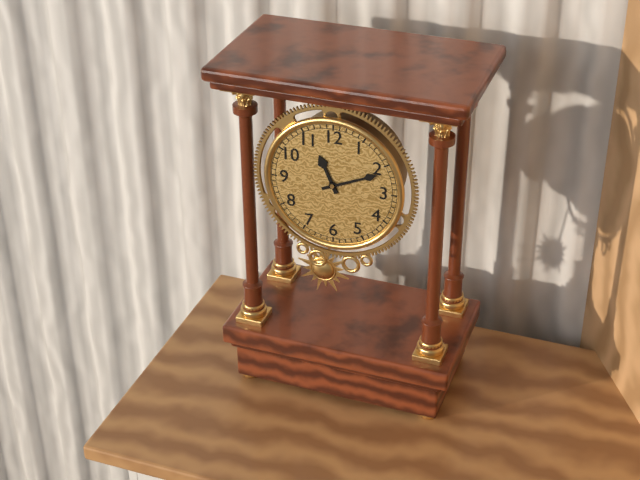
11:11
